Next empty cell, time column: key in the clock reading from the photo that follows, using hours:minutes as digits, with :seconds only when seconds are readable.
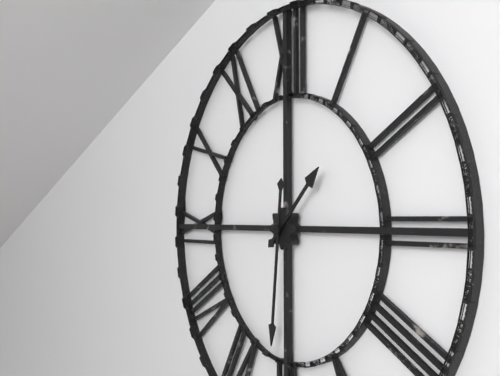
1:31
